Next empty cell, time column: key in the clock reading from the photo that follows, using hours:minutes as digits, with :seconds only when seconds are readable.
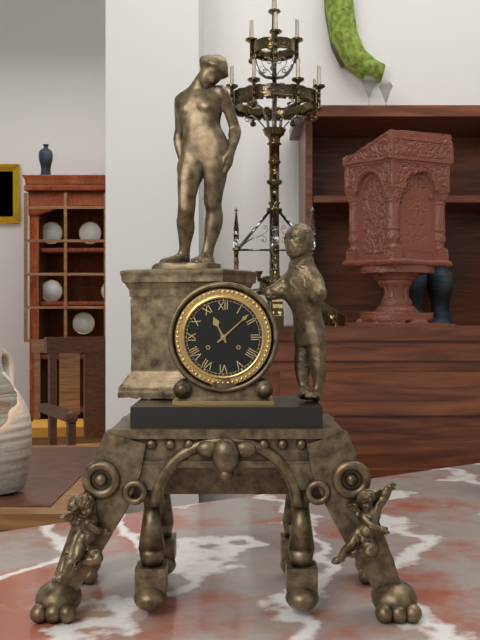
11:08
